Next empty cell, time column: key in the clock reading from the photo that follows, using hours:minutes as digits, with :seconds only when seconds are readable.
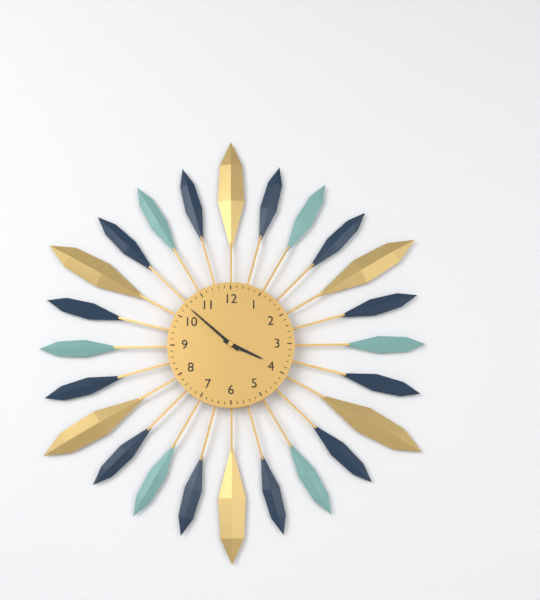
3:52
